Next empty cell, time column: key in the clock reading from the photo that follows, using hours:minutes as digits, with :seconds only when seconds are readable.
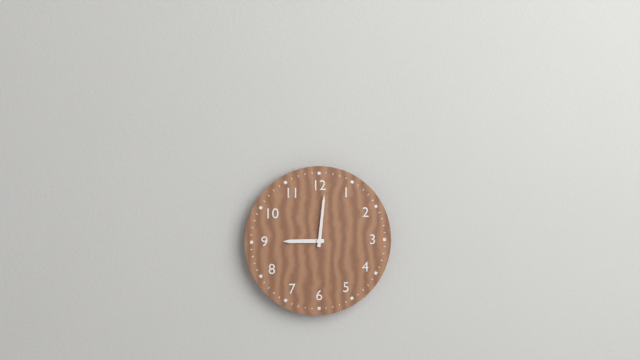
9:01
